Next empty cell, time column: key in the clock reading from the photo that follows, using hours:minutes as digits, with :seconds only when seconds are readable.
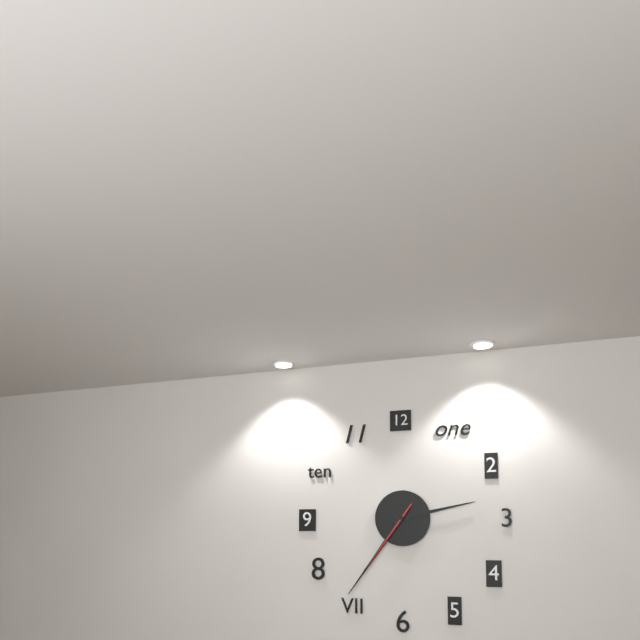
2:36:36
